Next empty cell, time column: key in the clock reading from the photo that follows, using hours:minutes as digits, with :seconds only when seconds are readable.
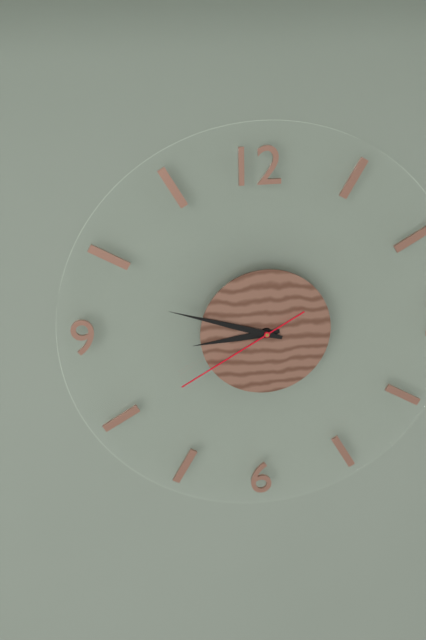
8:48:40
